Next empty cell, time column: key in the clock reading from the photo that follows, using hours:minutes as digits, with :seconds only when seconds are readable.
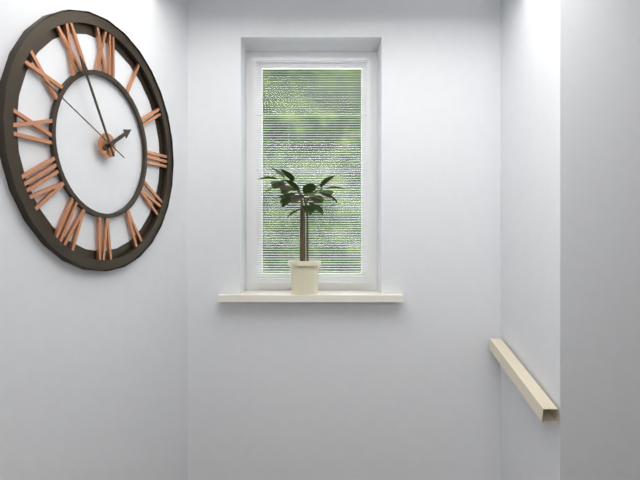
1:55:49
